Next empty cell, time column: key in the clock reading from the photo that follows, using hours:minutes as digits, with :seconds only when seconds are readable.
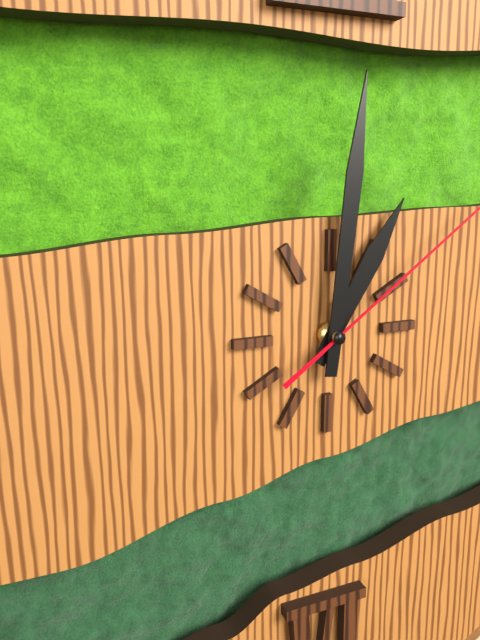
1:01
